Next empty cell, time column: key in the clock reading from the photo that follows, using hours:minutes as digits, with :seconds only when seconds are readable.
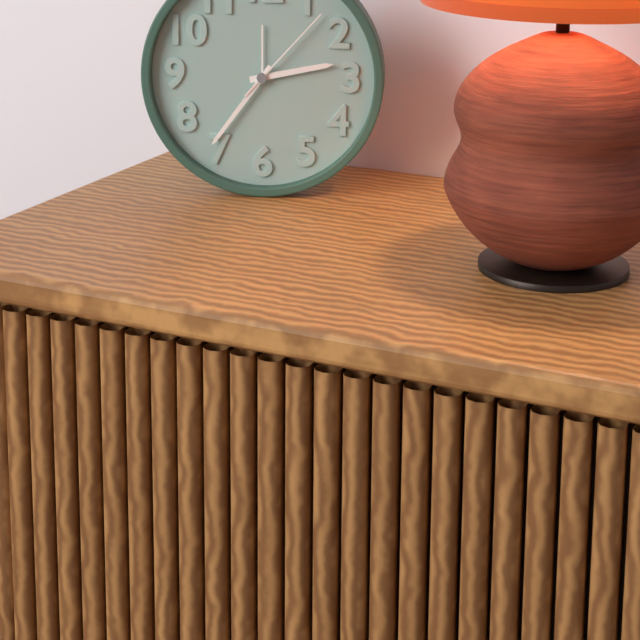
2:36:07
